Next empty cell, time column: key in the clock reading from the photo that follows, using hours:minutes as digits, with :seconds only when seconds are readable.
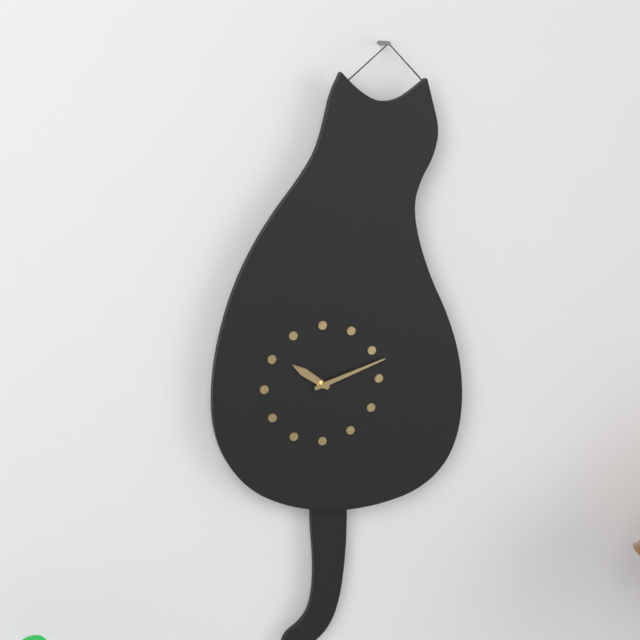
10:12
